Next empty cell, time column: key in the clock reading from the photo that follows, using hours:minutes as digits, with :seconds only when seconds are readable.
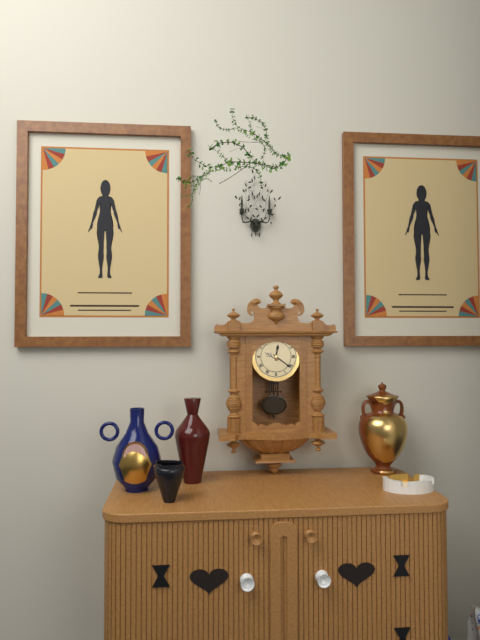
12:21
